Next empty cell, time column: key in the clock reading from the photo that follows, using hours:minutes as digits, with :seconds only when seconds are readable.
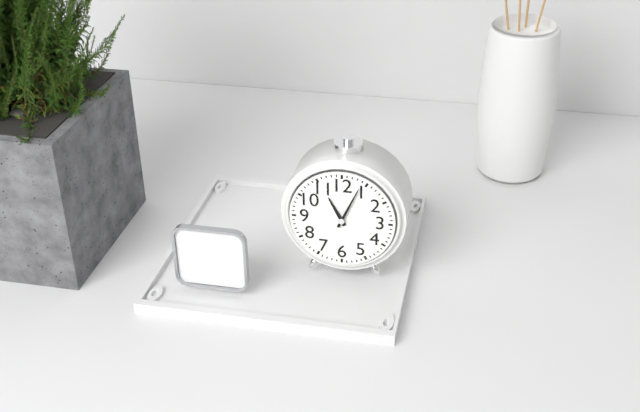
11:04
